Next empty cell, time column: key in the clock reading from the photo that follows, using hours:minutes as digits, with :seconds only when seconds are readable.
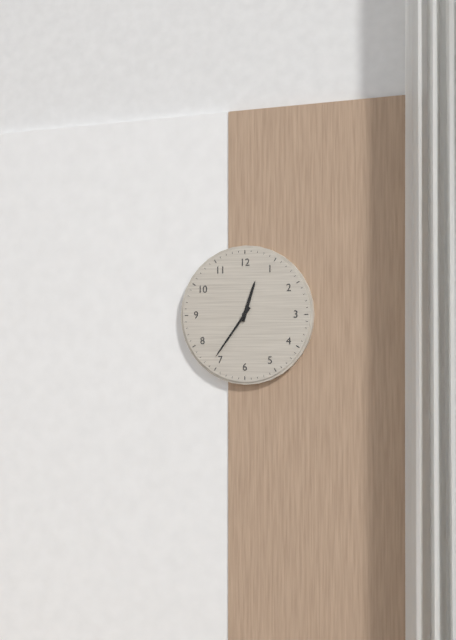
12:36
